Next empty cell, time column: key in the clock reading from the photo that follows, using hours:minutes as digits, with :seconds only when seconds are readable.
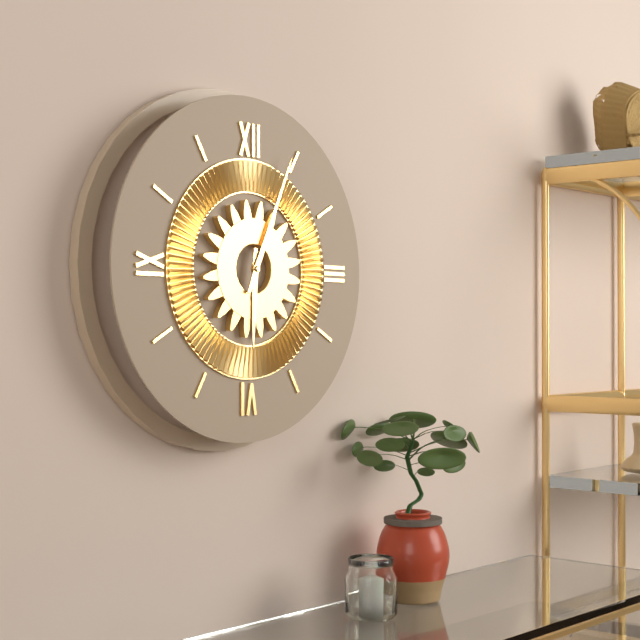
6:04
